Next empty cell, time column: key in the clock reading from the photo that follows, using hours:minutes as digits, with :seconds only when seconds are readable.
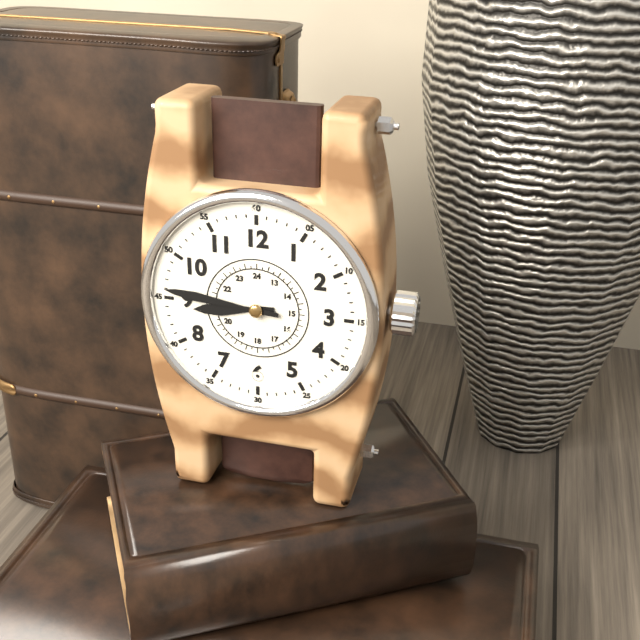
8:46
